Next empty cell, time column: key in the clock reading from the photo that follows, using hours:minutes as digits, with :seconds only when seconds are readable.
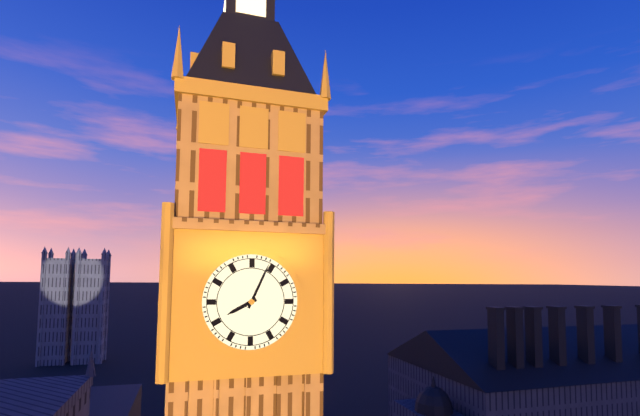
8:04
